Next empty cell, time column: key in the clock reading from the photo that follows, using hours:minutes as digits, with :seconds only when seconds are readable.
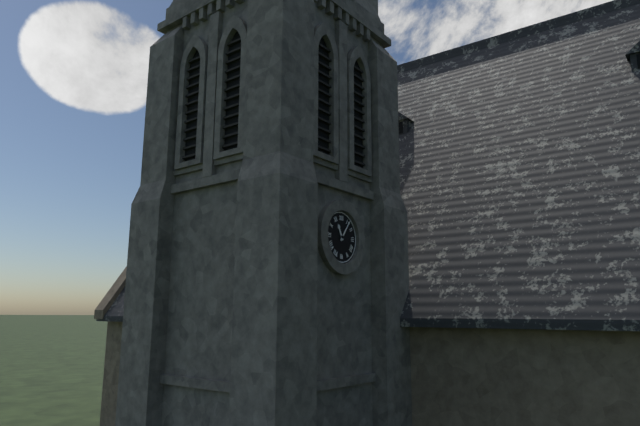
11:06
